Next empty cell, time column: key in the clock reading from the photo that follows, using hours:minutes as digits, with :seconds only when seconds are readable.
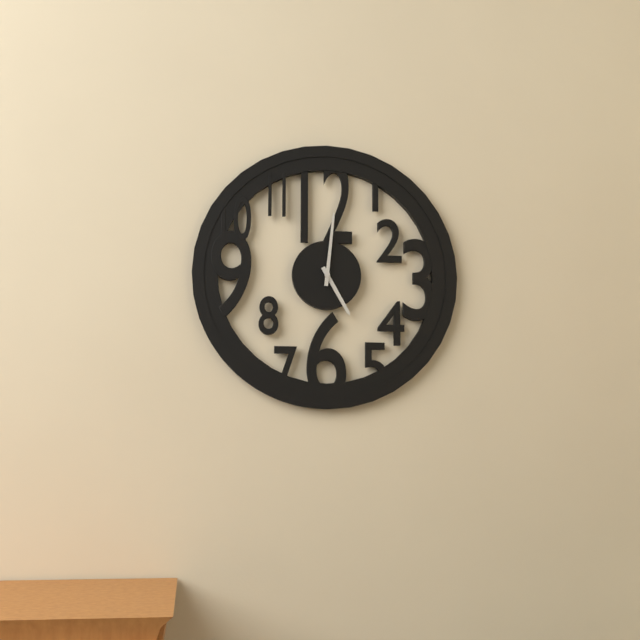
5:01
